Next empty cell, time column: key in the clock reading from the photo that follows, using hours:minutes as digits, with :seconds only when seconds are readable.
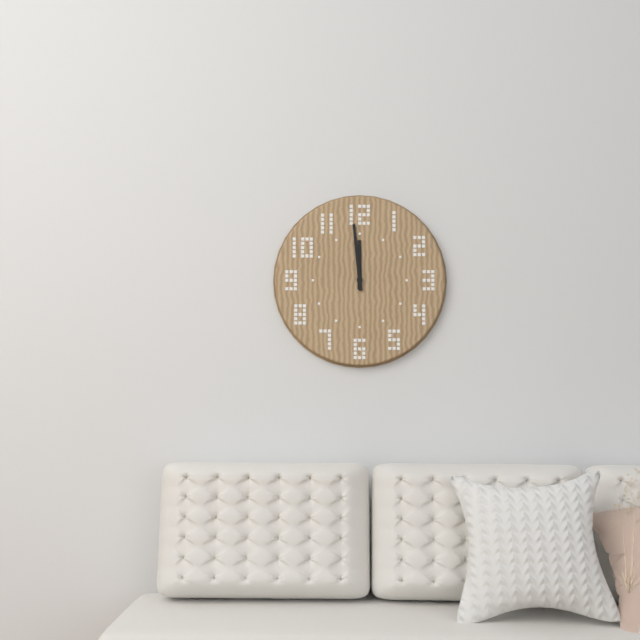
11:59
